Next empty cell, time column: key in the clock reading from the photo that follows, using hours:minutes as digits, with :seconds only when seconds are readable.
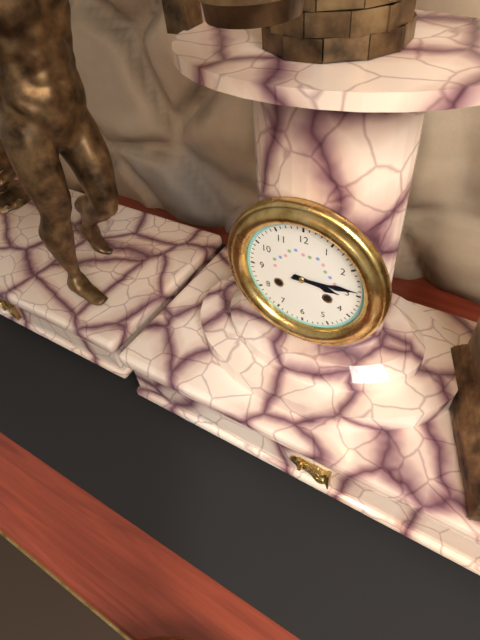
3:14
